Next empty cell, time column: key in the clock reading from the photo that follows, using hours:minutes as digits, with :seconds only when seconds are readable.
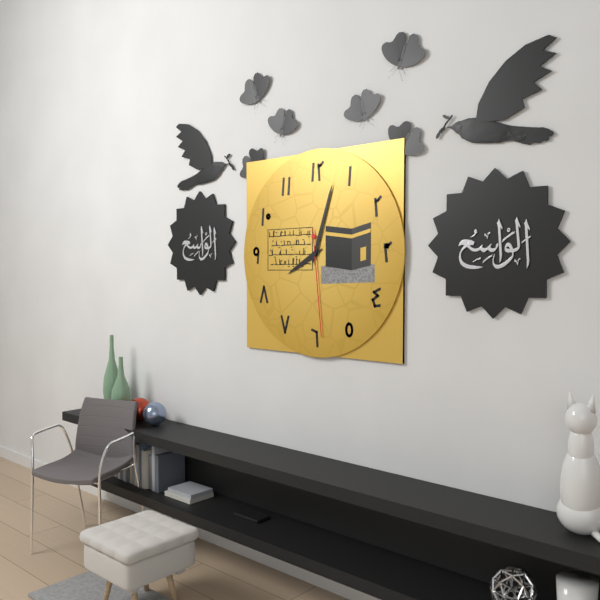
8:03:29
